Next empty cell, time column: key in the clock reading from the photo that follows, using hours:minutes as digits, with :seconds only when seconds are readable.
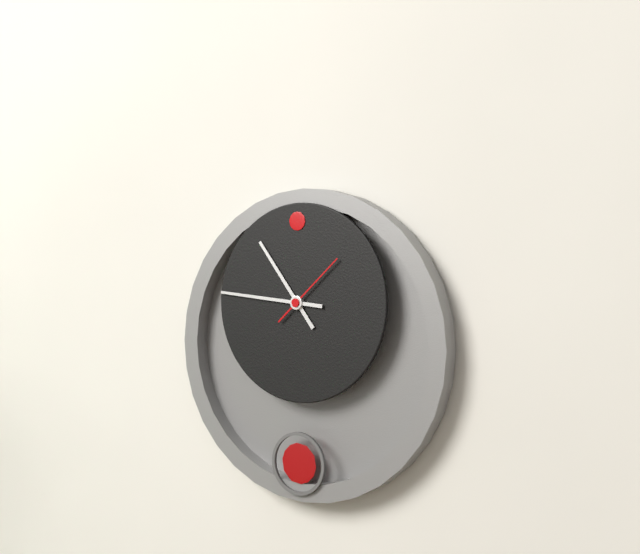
10:46:08
